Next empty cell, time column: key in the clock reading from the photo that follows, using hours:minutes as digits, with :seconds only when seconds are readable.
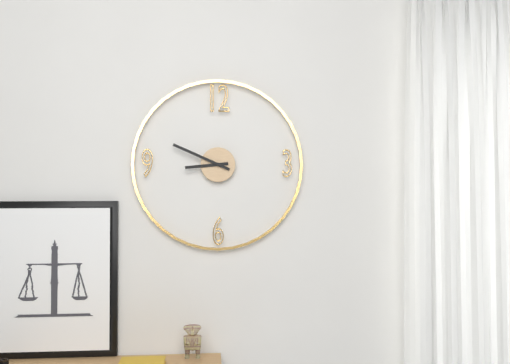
8:49
